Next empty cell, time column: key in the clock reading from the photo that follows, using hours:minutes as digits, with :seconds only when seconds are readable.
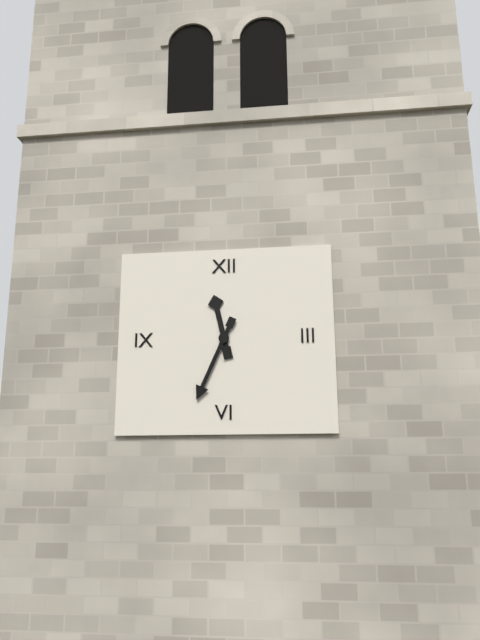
11:34
